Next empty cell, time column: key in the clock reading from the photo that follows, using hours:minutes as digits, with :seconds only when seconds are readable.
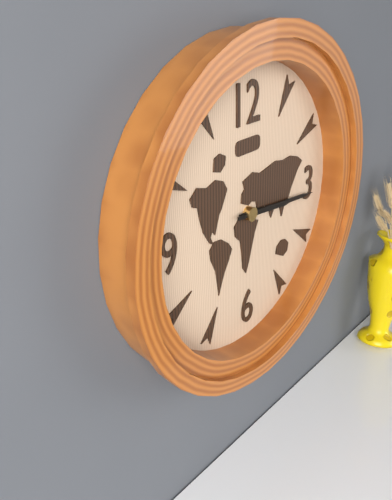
3:16
